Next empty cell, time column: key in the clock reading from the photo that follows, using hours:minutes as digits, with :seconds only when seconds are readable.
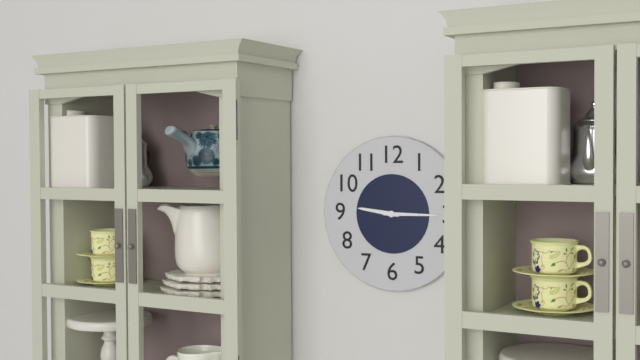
9:15
